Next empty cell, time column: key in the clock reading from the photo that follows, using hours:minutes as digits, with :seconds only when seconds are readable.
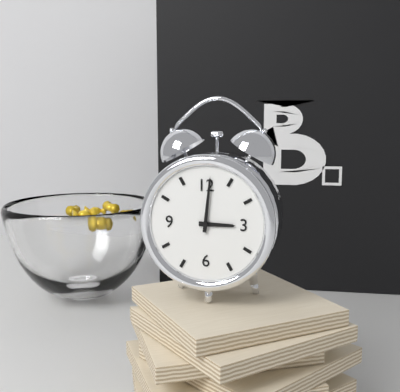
3:01
